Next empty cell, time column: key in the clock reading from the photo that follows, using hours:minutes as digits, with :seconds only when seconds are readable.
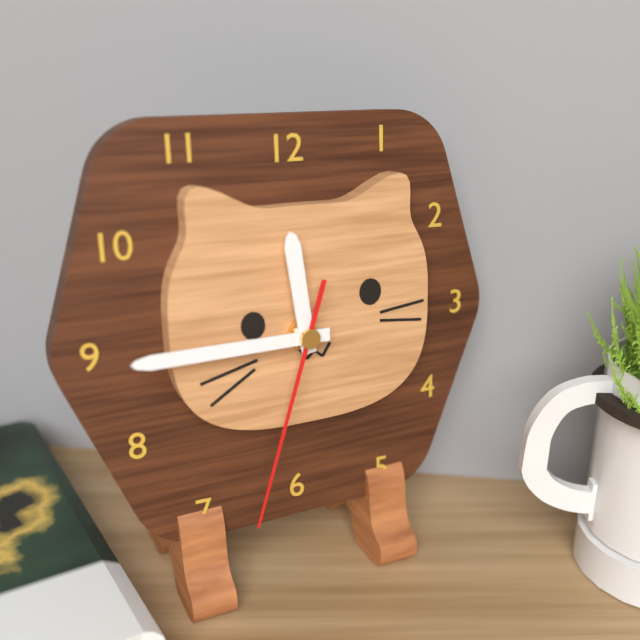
11:45:33
